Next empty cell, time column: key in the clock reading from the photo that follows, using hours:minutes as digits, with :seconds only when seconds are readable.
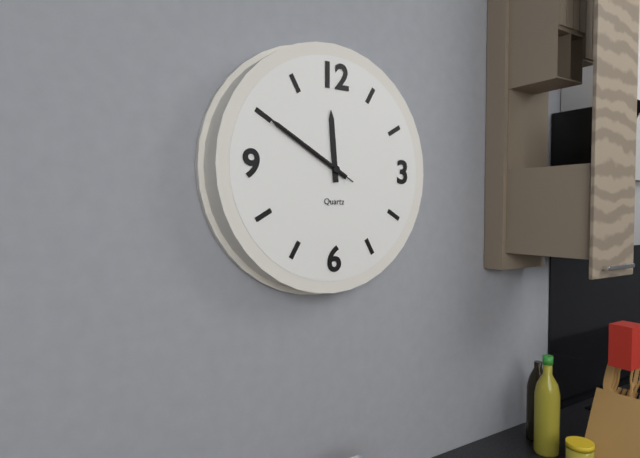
11:50:50
